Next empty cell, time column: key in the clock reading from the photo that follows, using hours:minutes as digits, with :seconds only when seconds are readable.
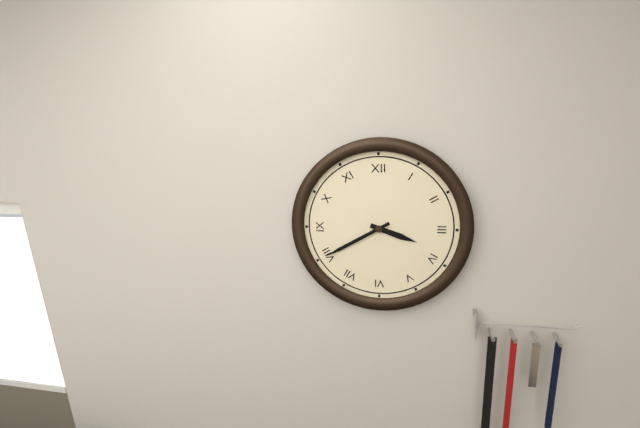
3:40
